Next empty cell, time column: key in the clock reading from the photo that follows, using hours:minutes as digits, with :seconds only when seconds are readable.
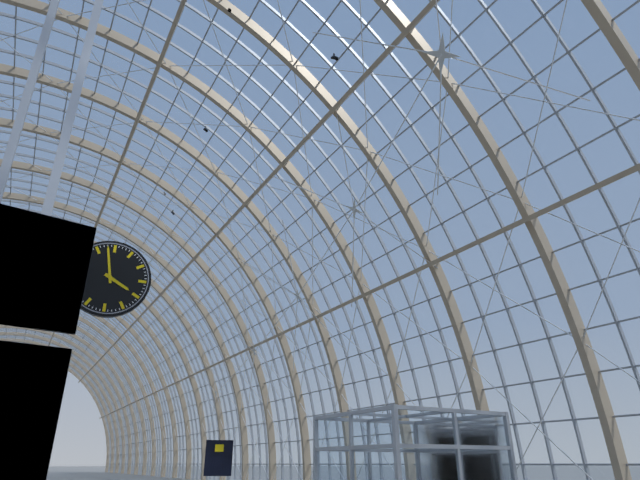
3:58
